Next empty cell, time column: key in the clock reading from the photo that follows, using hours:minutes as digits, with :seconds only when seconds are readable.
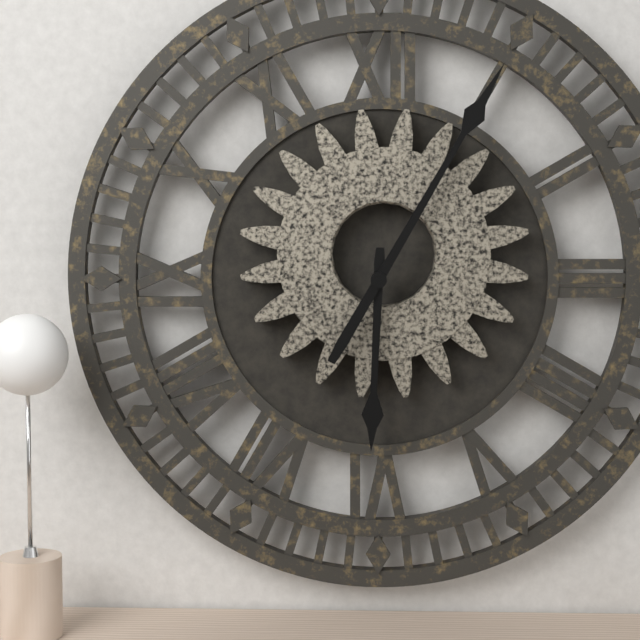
6:05
